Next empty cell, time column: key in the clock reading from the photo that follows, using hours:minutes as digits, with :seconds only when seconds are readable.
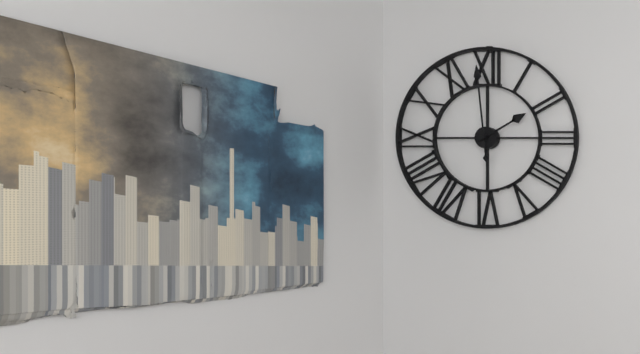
1:59
